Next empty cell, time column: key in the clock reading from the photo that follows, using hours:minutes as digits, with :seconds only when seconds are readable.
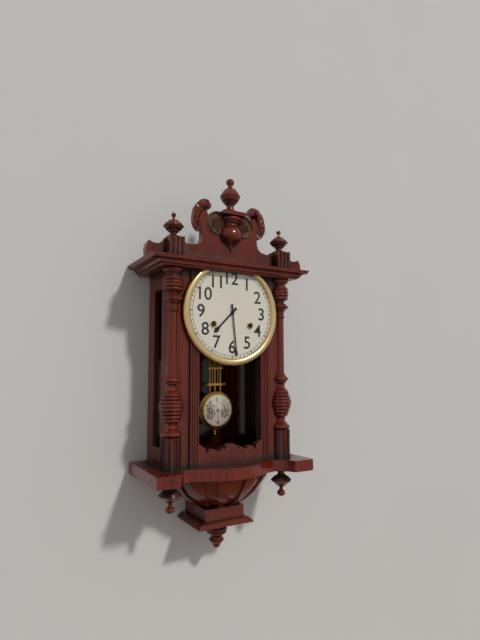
7:29
